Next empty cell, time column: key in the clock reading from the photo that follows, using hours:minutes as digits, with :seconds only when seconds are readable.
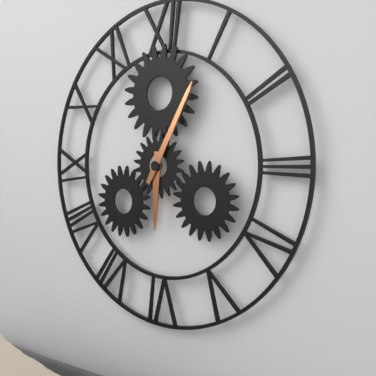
6:05
